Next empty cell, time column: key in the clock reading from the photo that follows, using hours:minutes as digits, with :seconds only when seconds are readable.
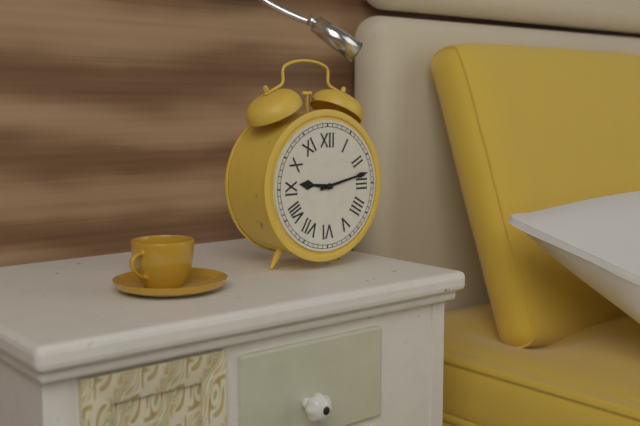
9:13
